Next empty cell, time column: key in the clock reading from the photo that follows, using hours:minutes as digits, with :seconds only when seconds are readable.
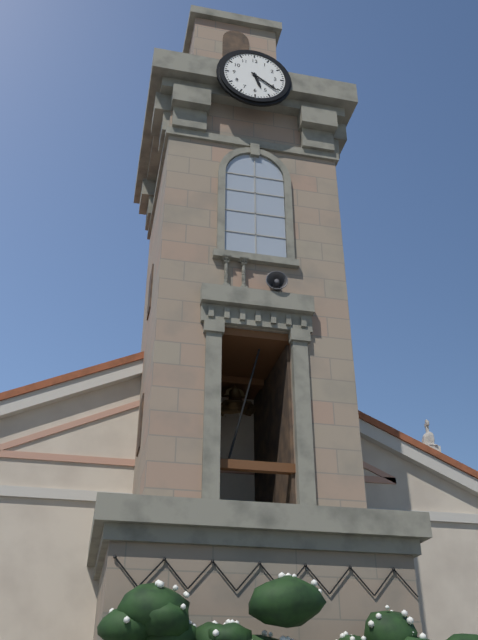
5:21
